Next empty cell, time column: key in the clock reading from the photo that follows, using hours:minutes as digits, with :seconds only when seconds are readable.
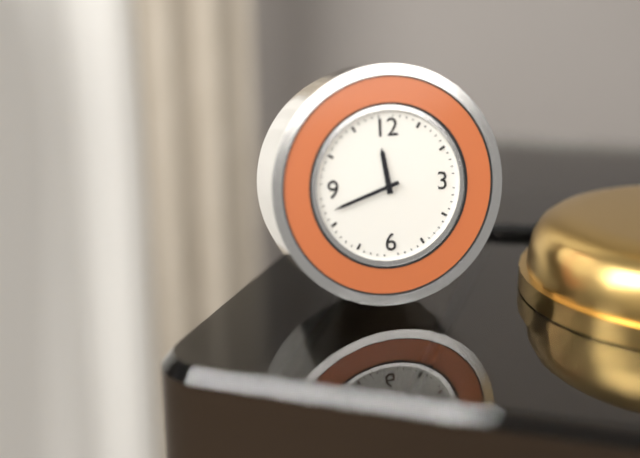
11:42
